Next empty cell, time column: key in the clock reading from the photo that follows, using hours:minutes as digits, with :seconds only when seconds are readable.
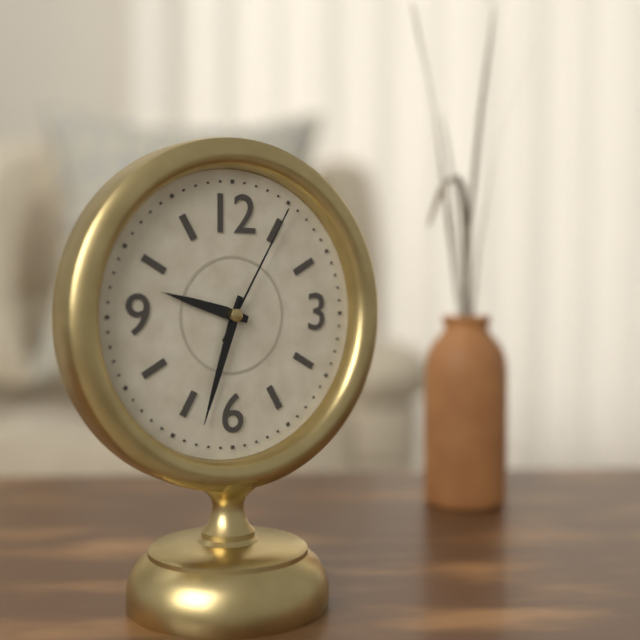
9:33:05
